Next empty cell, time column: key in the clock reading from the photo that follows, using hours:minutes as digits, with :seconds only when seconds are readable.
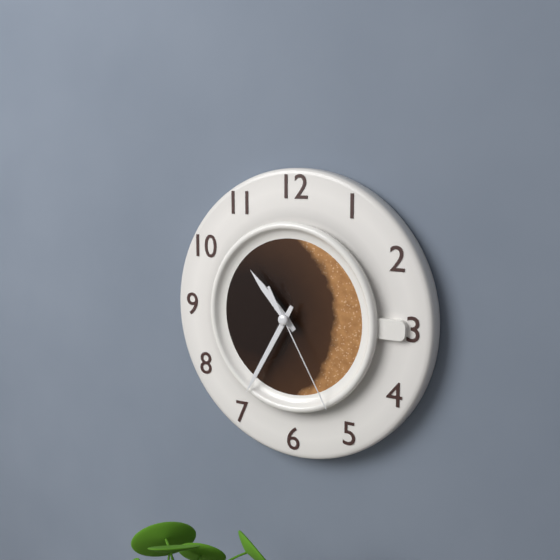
10:35:25
